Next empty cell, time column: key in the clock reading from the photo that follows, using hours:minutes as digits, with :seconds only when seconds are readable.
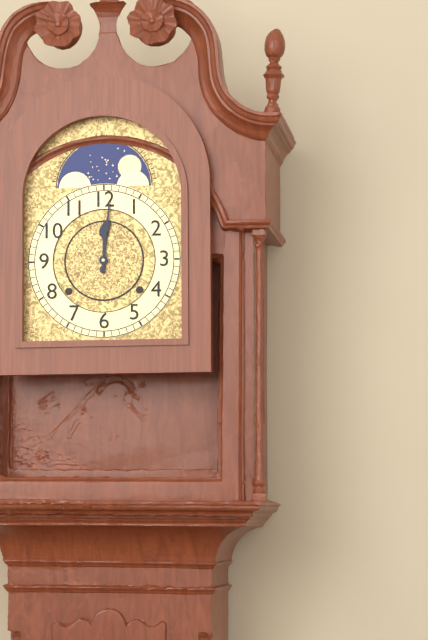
12:01
